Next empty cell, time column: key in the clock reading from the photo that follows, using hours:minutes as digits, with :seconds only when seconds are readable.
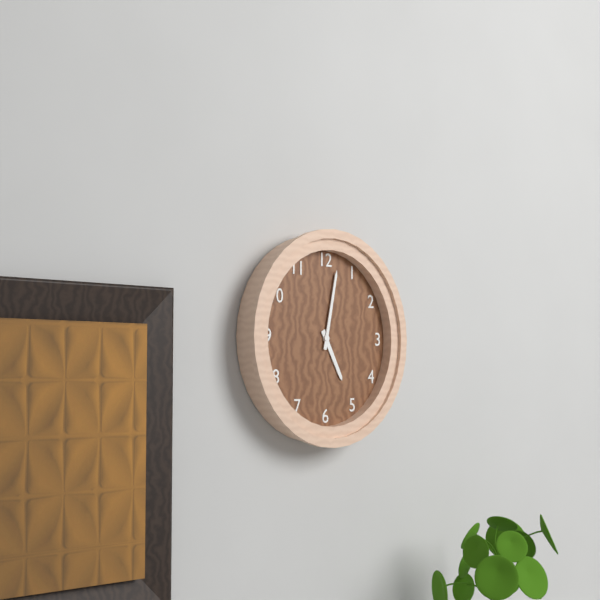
5:02
